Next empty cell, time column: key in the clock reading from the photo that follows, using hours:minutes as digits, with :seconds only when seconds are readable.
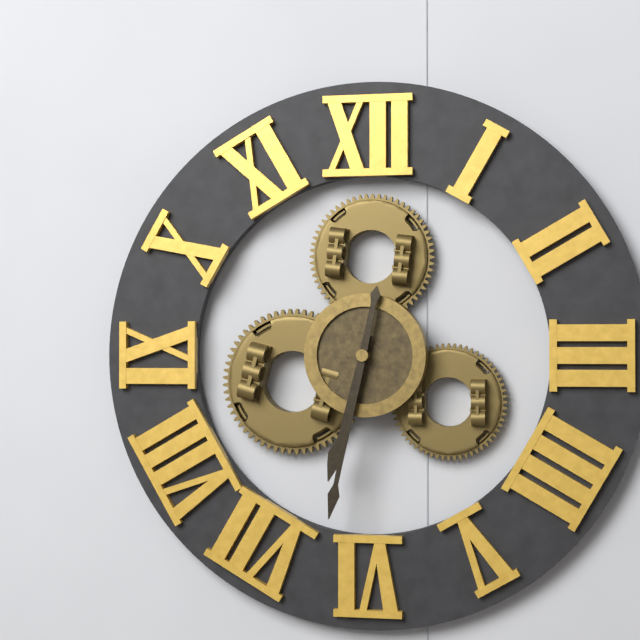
6:32
